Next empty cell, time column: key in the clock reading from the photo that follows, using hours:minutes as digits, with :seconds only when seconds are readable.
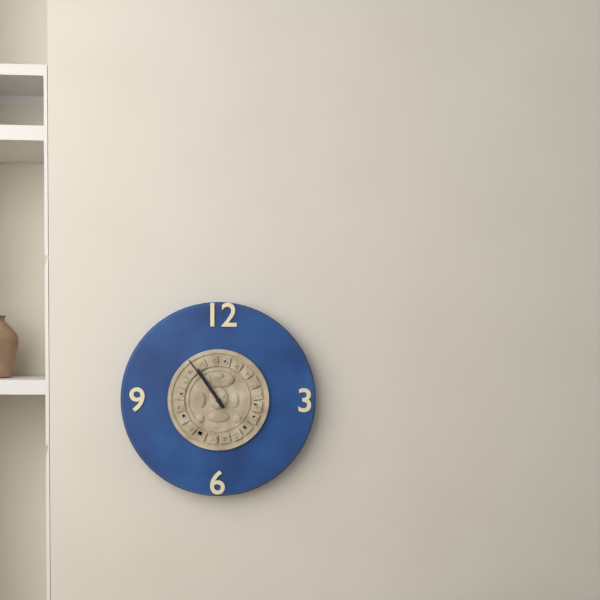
10:54
